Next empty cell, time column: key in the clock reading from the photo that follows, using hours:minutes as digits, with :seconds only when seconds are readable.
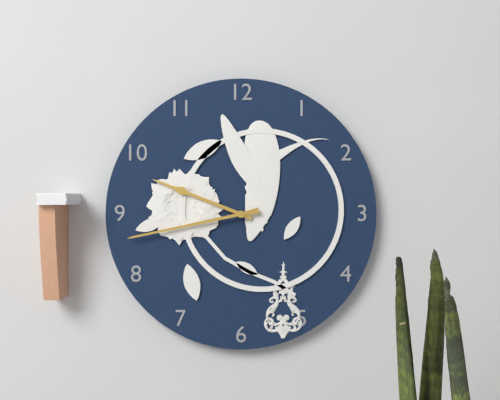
9:43
